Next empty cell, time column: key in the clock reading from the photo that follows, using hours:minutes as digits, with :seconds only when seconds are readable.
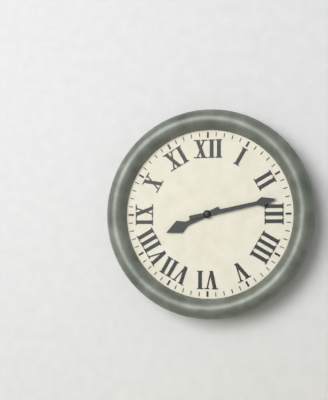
8:13
